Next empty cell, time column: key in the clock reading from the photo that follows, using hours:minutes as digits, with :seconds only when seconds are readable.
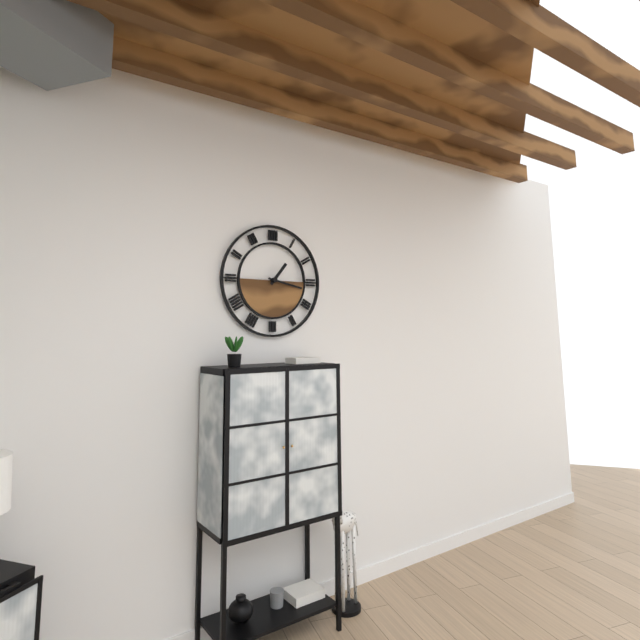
1:17
